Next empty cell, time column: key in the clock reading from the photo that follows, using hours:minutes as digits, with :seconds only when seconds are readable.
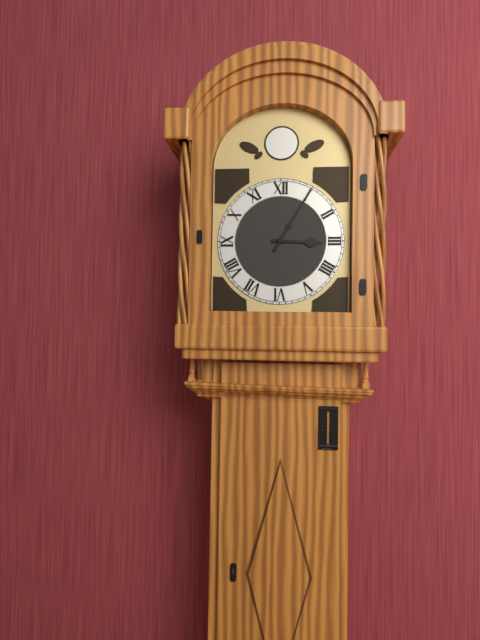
3:05
